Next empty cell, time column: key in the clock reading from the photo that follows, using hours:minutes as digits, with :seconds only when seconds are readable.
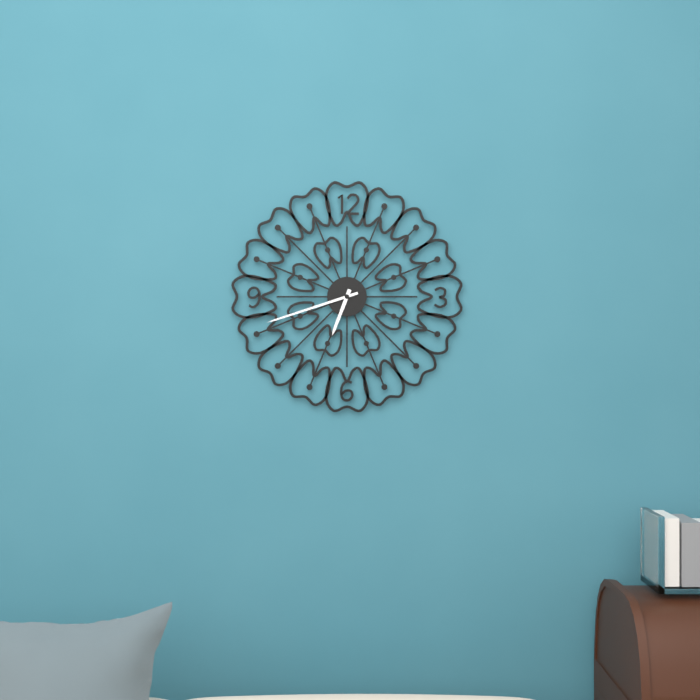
6:42
